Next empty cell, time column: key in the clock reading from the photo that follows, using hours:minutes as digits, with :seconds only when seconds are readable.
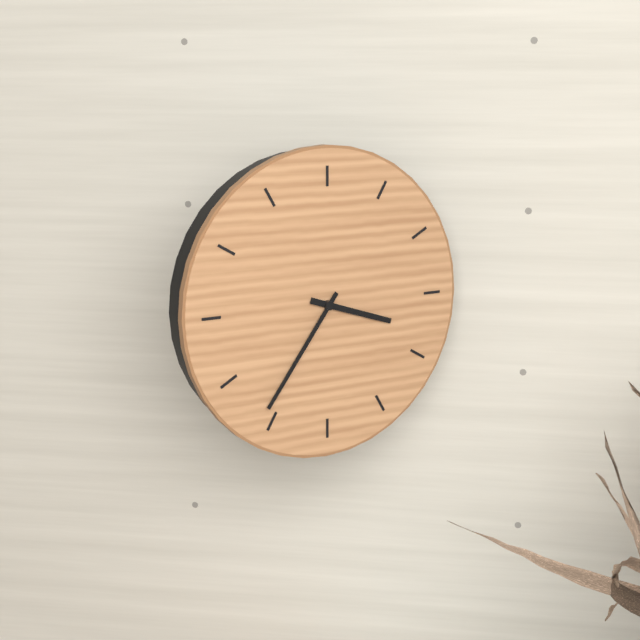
3:36
